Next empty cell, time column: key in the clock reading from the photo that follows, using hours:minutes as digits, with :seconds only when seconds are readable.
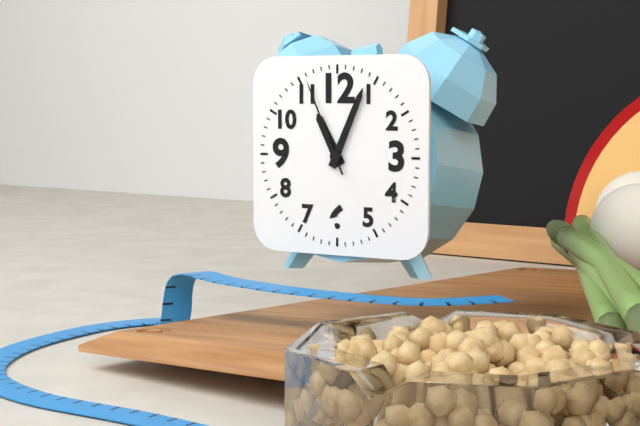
11:04:56
